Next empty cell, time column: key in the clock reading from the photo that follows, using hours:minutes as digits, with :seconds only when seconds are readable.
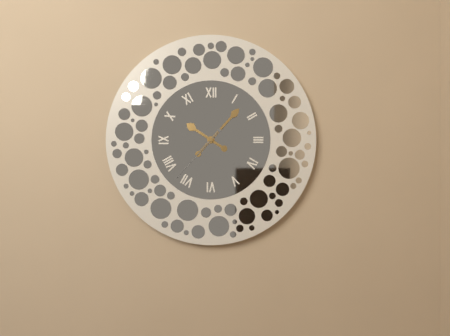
10:07:37
